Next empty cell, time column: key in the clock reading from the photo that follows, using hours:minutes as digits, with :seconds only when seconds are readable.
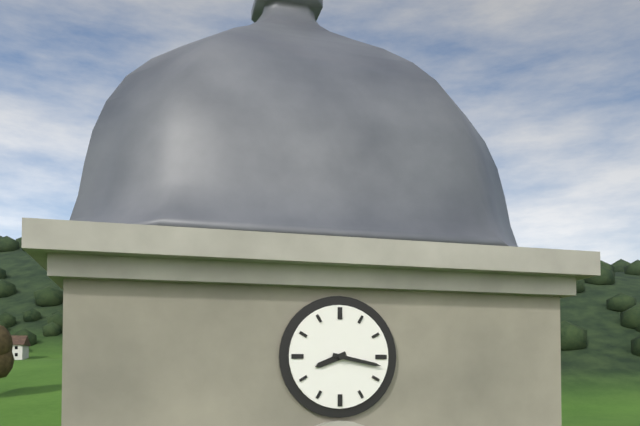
8:17
